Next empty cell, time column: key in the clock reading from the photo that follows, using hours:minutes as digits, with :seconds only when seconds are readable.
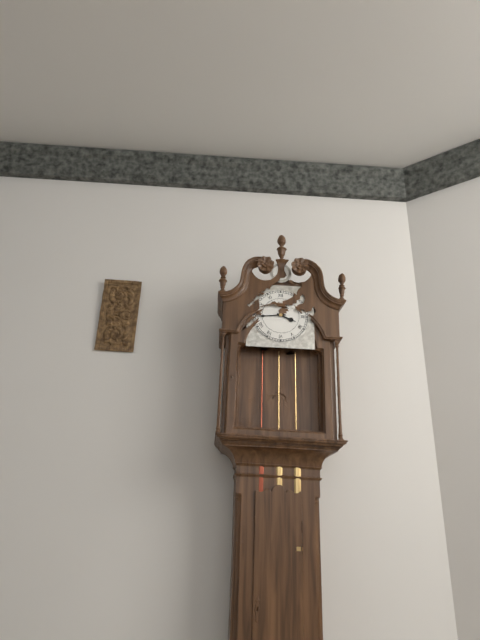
3:44
